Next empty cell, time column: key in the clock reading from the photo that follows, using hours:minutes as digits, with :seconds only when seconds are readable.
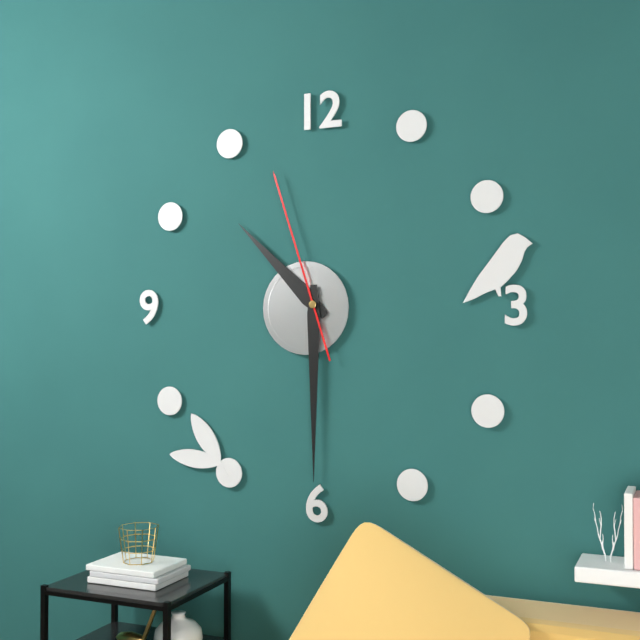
10:30:57
